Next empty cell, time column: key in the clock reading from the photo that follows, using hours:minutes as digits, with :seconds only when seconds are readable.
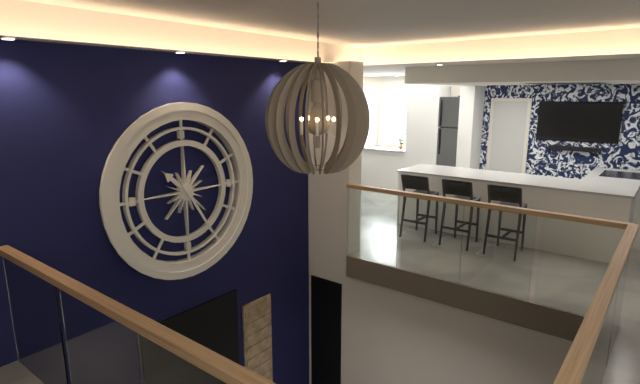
10:25
